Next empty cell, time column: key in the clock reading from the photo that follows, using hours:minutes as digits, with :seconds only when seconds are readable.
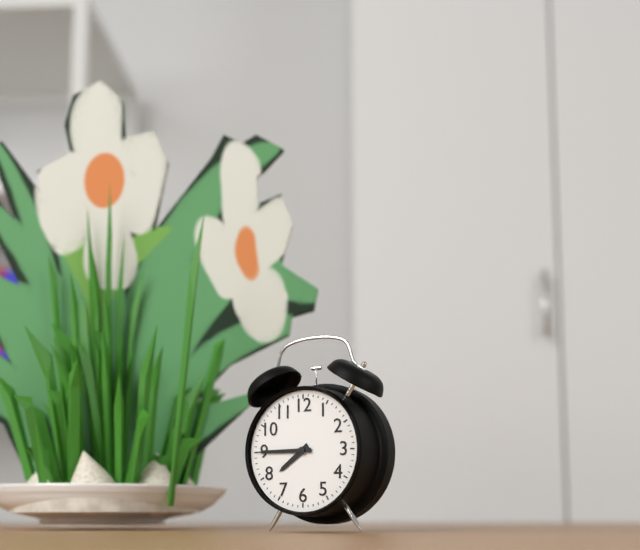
7:45
